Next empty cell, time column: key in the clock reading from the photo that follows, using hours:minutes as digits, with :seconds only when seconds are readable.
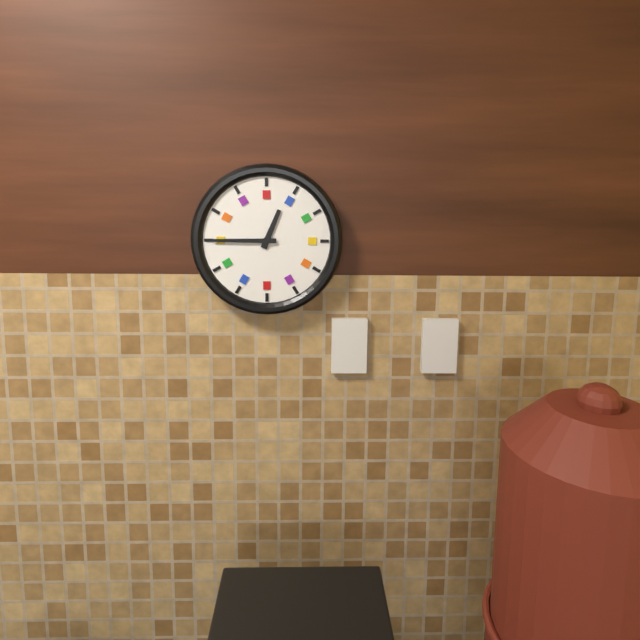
12:45
